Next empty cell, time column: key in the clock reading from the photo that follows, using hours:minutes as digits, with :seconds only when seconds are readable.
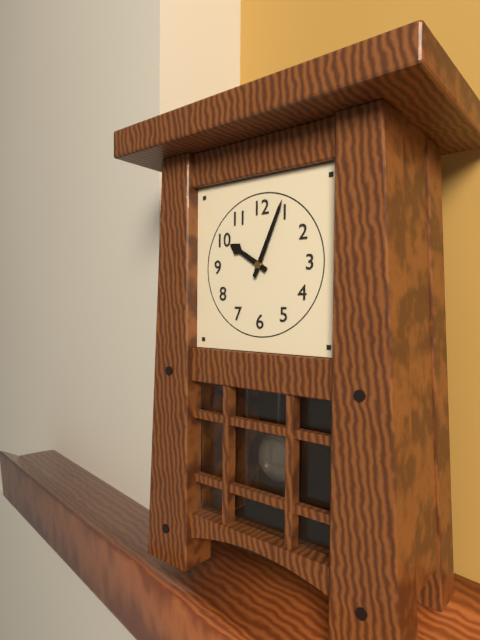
10:04
